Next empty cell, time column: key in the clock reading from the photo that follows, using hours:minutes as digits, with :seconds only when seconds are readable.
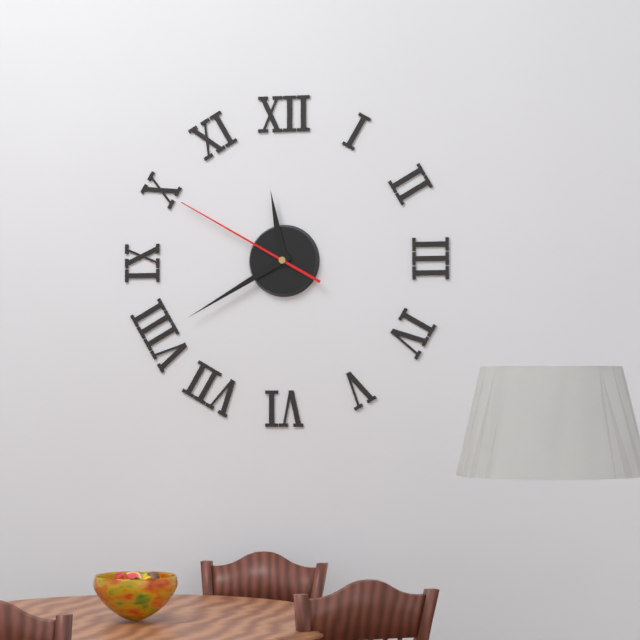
11:40:50
